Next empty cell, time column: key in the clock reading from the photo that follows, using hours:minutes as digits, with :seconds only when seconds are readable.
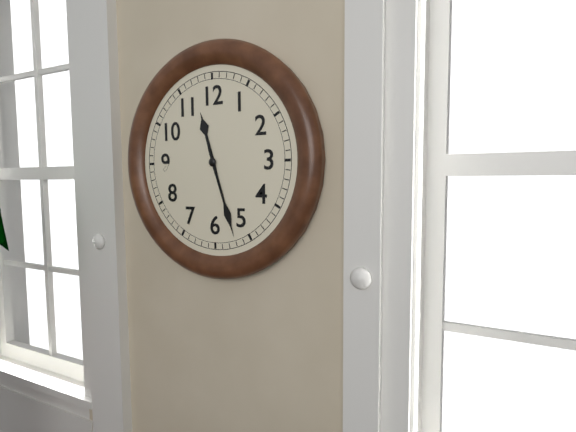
11:27
